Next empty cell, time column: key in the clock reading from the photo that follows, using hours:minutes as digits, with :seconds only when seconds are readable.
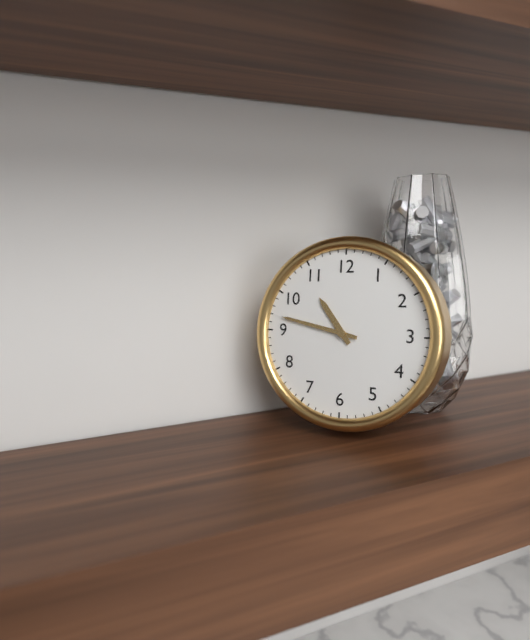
10:47
